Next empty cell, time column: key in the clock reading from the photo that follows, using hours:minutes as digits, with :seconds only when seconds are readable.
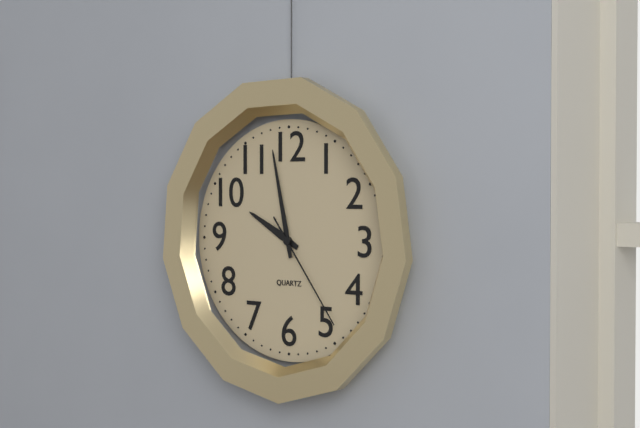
9:58:24
